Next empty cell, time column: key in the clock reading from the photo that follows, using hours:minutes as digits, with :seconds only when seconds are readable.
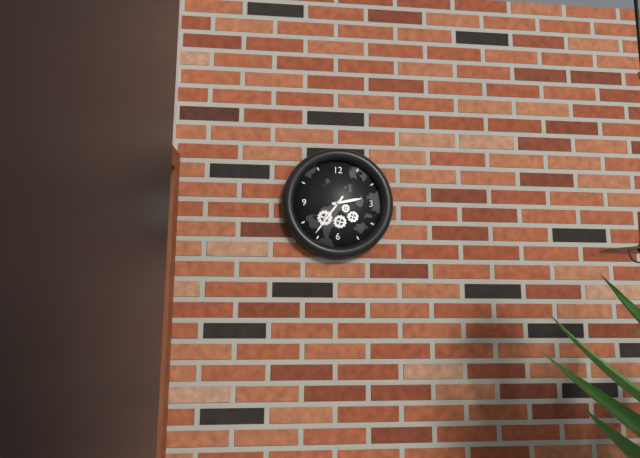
2:36
